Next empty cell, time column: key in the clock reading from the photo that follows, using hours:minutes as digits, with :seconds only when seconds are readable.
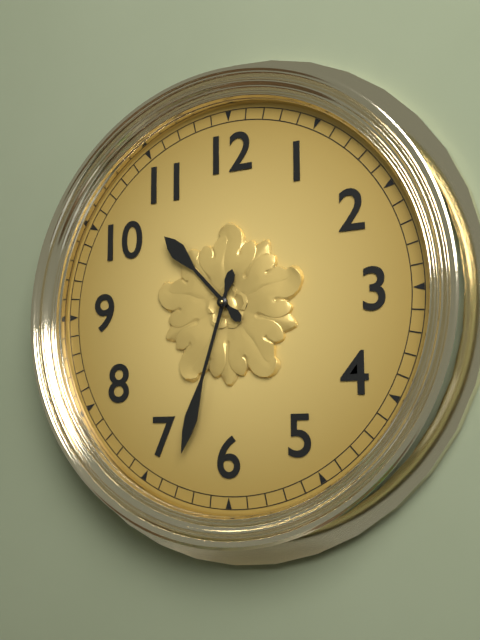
10:33
